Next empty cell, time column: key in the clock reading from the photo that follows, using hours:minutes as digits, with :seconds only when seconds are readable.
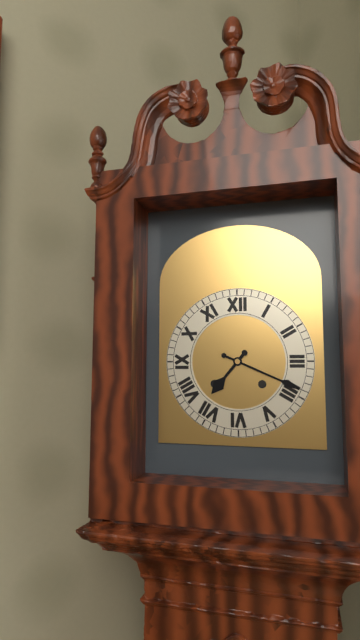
7:19
